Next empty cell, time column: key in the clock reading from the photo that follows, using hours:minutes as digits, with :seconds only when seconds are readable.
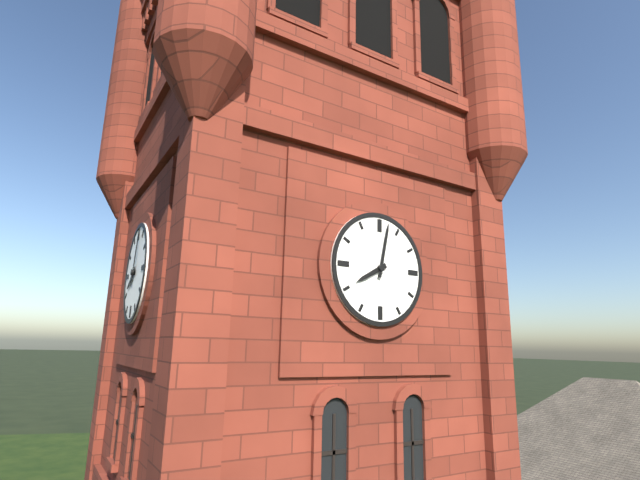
8:02
